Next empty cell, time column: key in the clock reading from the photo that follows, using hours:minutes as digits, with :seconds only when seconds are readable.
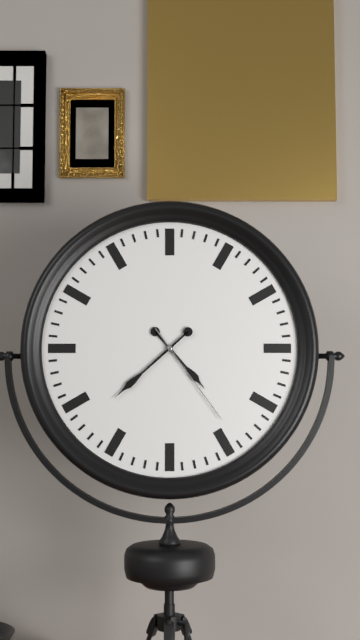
4:38:24
